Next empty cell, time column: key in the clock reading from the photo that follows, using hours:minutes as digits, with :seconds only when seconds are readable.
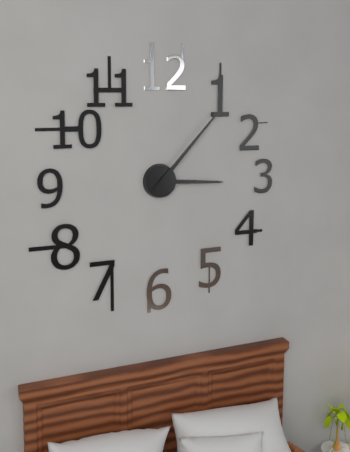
3:07
